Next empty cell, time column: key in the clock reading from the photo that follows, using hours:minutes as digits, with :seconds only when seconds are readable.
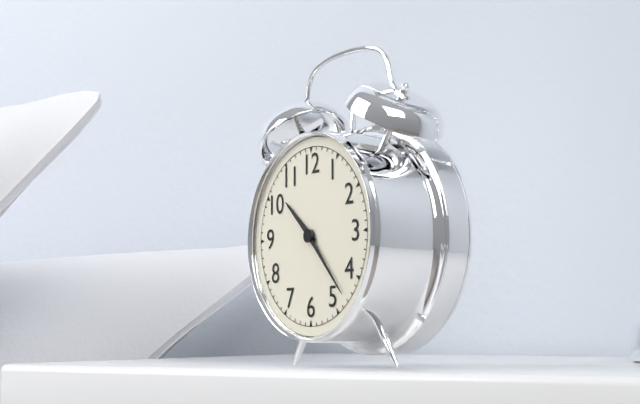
10:23
